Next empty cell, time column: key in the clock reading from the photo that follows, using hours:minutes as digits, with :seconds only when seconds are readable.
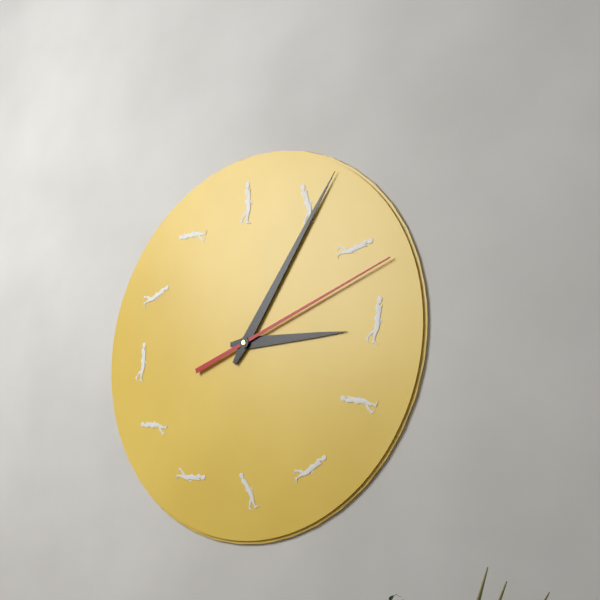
3:06:12
